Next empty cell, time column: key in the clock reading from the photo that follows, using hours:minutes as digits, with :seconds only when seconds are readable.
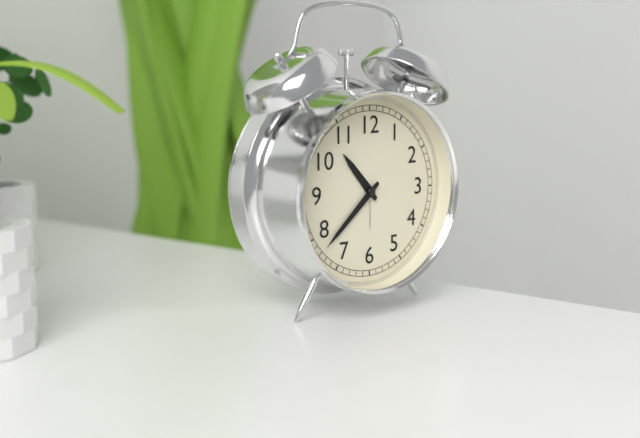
10:38
